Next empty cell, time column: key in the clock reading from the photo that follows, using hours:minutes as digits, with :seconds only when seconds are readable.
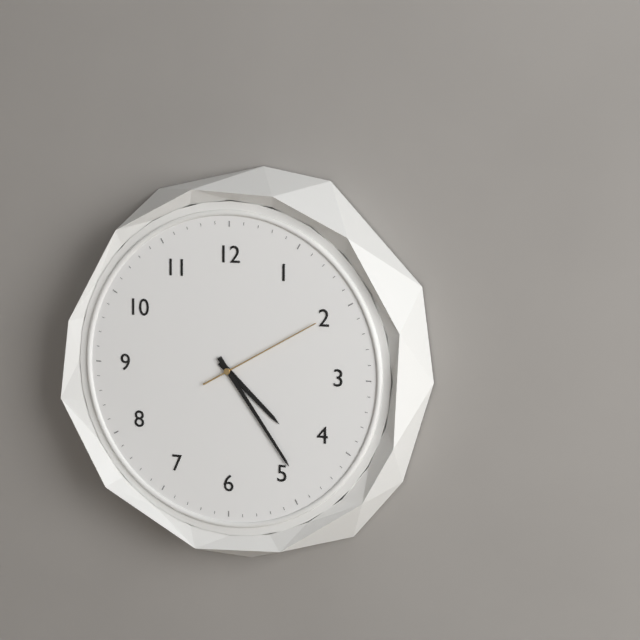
4:24:10
